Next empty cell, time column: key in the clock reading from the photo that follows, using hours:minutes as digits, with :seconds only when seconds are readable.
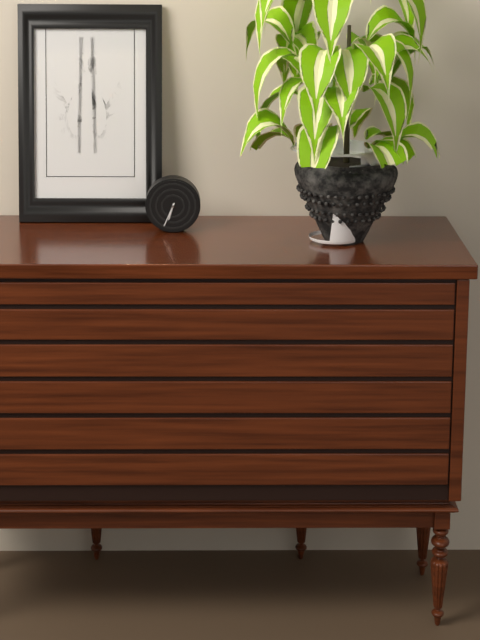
6:34
